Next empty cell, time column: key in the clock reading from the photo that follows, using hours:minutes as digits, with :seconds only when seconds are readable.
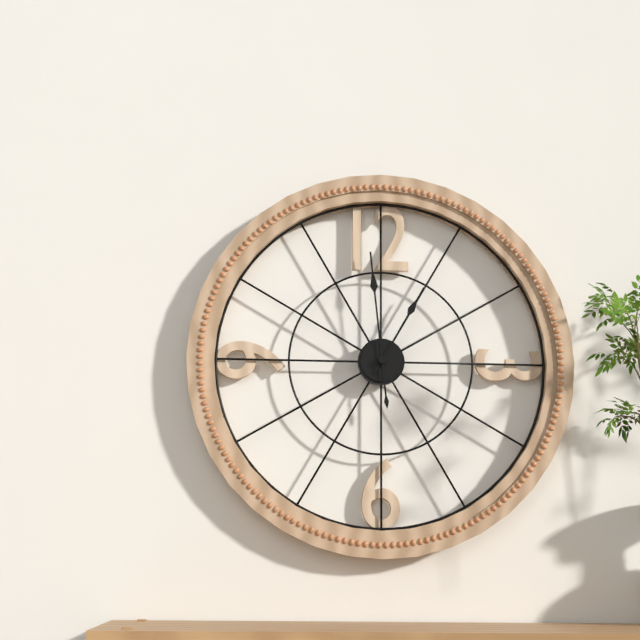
12:59
